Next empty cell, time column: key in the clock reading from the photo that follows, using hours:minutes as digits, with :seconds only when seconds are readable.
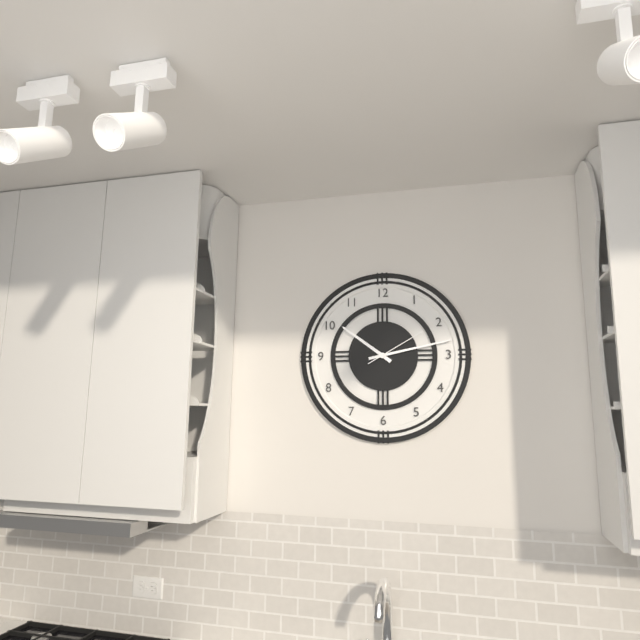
10:13:10
